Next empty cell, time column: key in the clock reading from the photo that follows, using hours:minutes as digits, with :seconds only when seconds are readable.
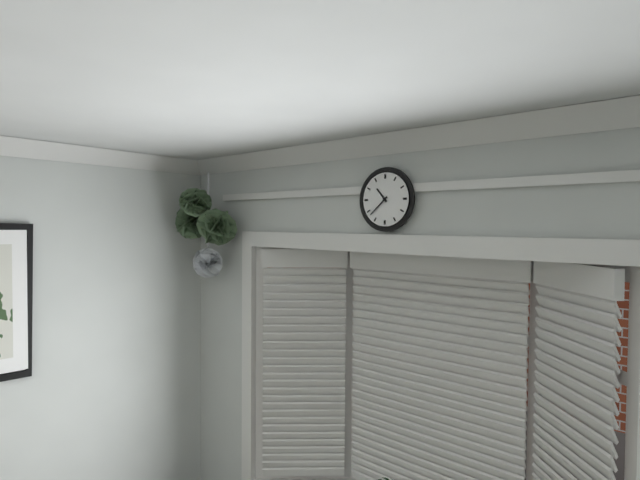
10:38
